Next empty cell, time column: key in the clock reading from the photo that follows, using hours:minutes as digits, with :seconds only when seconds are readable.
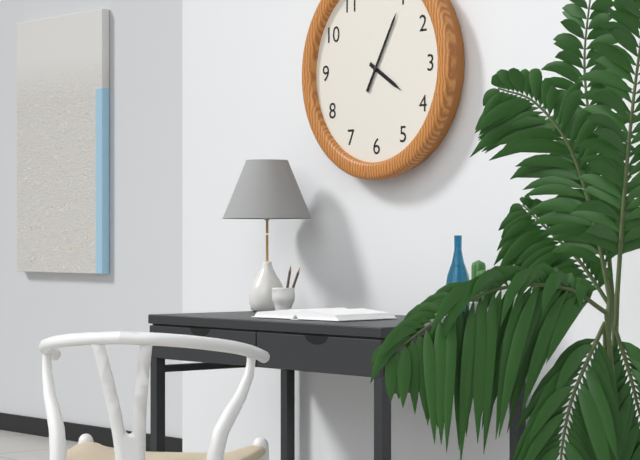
4:05
